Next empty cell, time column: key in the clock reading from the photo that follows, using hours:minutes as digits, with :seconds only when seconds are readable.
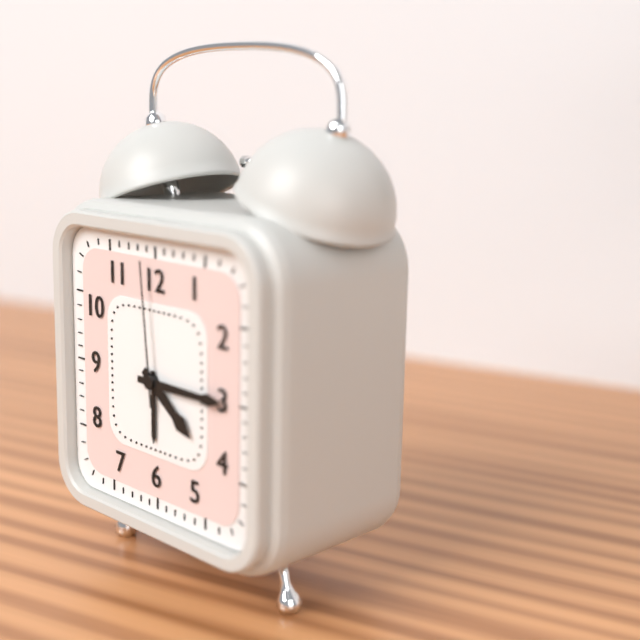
4:15:59
